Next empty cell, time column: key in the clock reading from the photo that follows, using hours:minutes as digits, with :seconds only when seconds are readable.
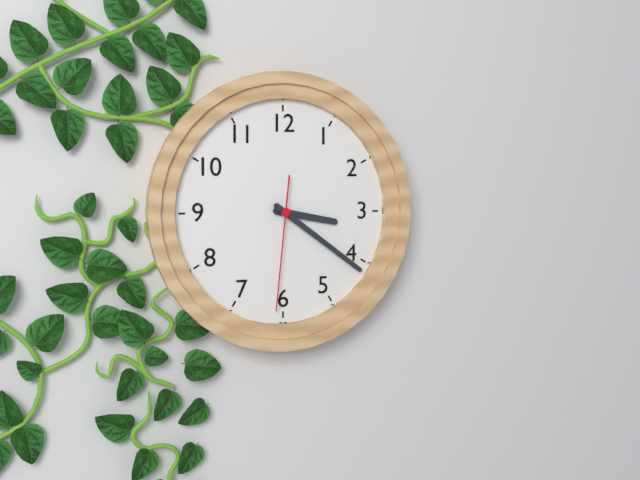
3:21:31
